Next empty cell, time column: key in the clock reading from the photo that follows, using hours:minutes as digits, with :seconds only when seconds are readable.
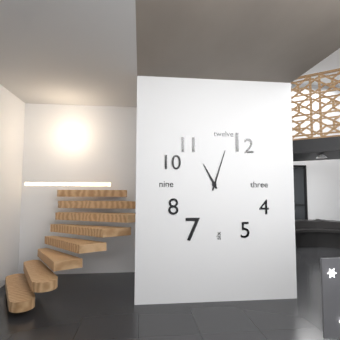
11:03
